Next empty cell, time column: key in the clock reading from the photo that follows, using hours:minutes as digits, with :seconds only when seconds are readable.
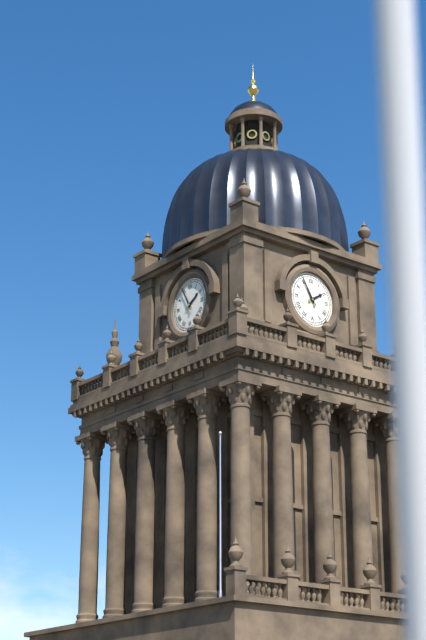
1:55
